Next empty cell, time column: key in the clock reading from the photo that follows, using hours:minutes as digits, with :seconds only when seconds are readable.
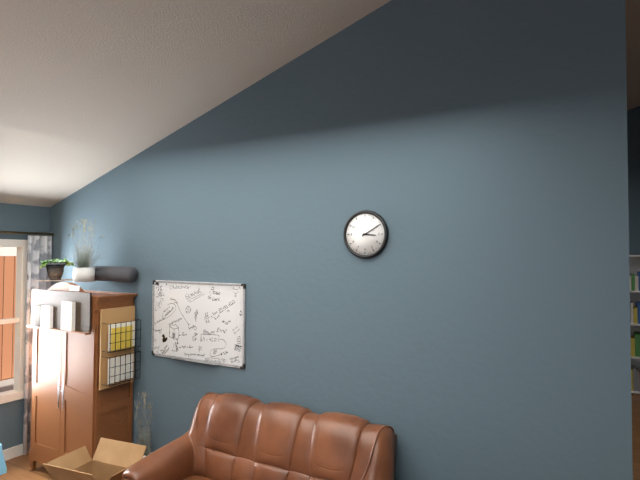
3:10
